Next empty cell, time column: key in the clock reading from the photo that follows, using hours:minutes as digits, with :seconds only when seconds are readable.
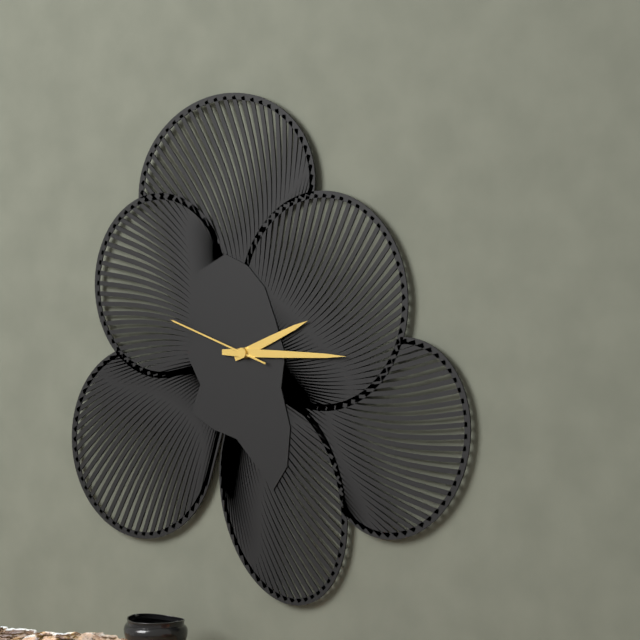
2:15:48
